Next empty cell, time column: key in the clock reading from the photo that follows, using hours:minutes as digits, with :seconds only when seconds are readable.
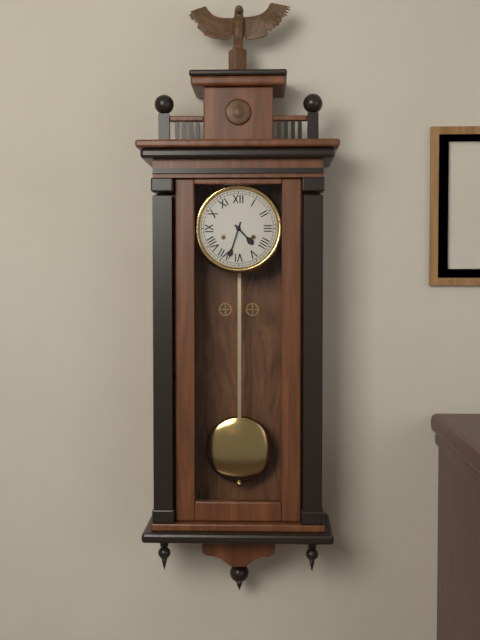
4:33
